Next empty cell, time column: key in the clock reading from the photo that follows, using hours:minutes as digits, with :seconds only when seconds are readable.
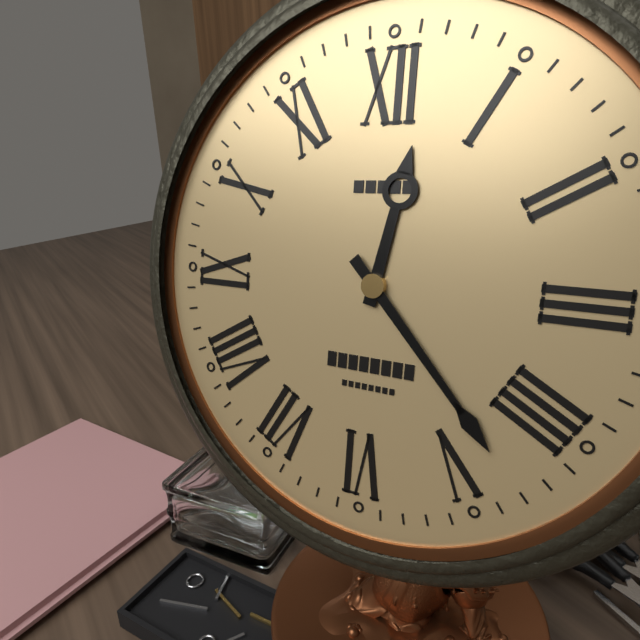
12:23
